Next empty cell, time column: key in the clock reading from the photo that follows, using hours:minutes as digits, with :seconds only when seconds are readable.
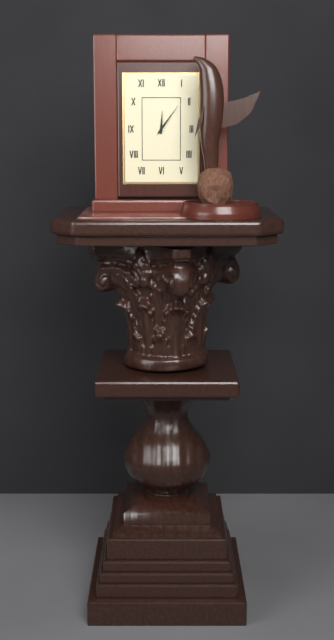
12:06
